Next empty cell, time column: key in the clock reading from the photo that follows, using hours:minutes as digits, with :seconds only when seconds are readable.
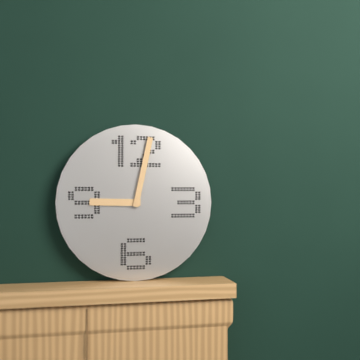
9:02
